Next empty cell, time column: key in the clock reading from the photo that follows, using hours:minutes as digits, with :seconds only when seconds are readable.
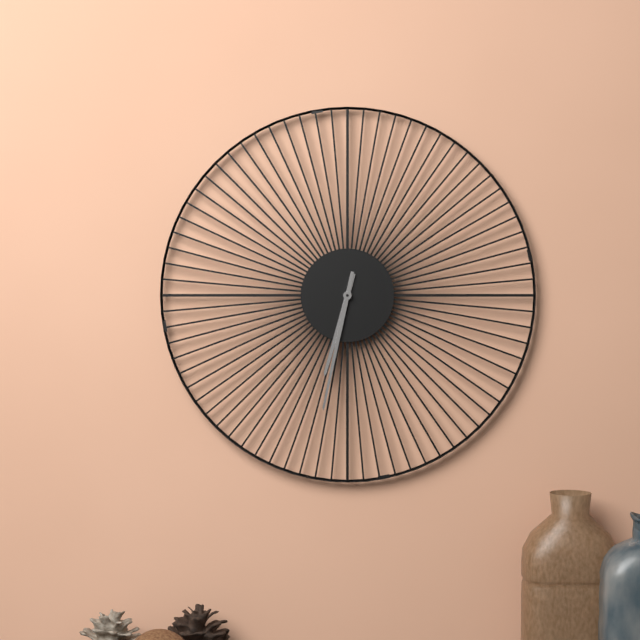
6:32
